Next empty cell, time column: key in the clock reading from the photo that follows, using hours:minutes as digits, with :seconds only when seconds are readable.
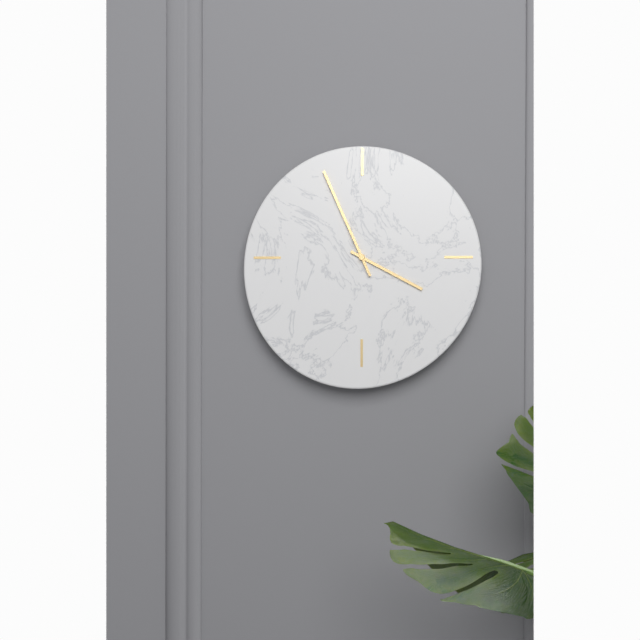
3:56
